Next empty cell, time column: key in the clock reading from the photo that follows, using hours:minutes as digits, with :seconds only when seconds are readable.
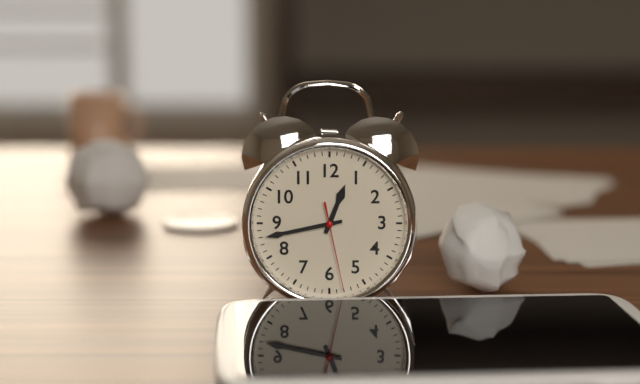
12:43:28
